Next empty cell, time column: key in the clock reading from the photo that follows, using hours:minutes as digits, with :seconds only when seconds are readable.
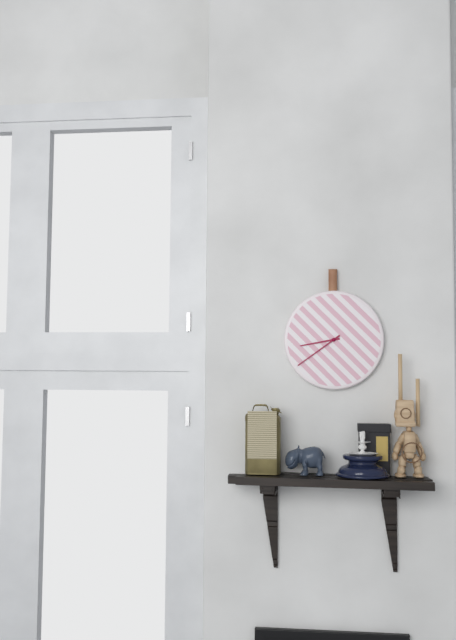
8:39
